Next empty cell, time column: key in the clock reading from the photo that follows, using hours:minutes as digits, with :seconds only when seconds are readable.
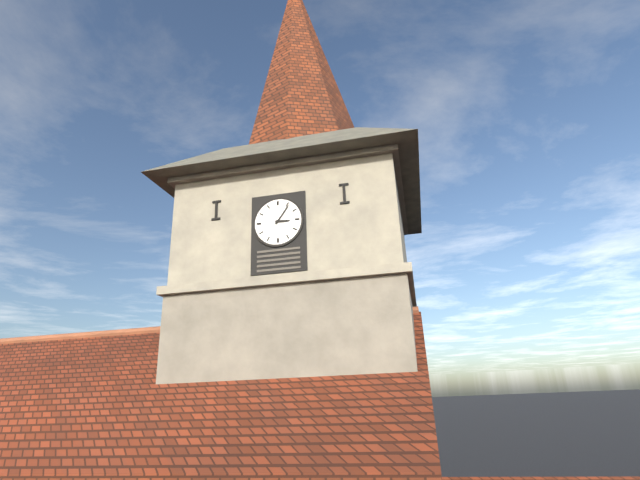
3:06
